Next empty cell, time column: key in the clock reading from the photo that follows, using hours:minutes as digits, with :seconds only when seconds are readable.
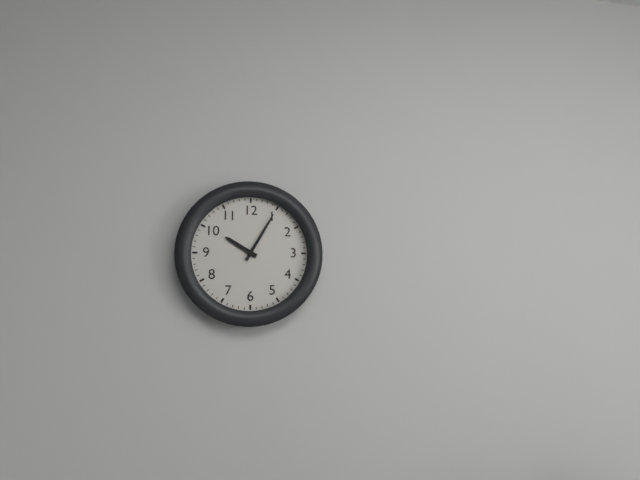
10:05
